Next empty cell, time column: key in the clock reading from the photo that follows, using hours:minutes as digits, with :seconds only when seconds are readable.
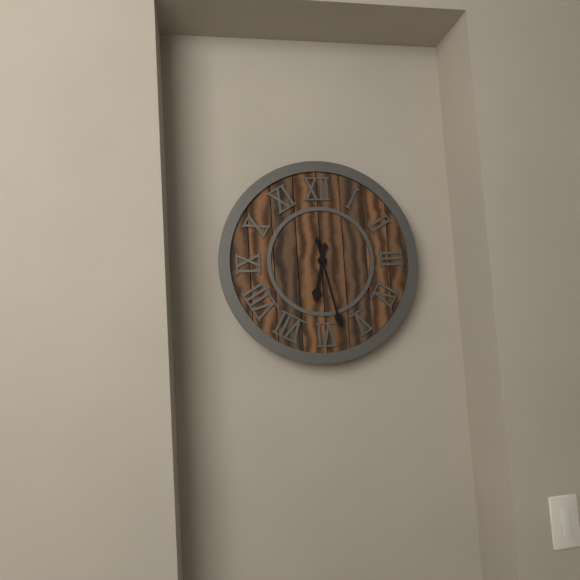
6:28
